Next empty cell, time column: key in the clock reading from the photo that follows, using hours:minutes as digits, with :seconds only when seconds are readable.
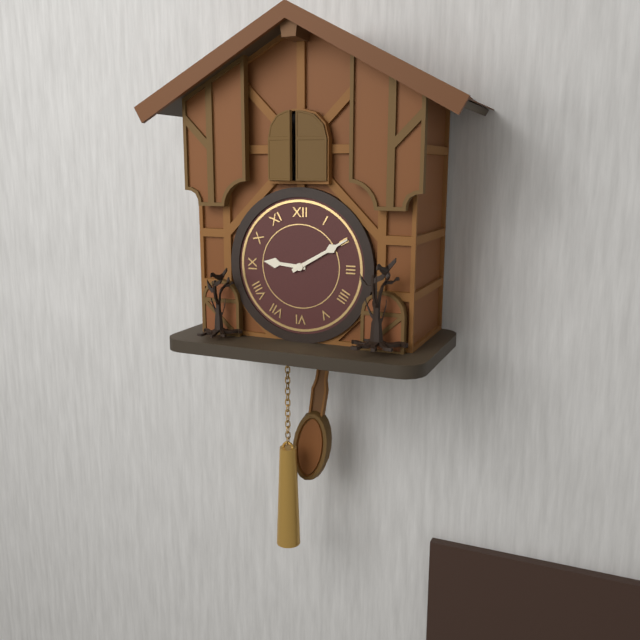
9:10
